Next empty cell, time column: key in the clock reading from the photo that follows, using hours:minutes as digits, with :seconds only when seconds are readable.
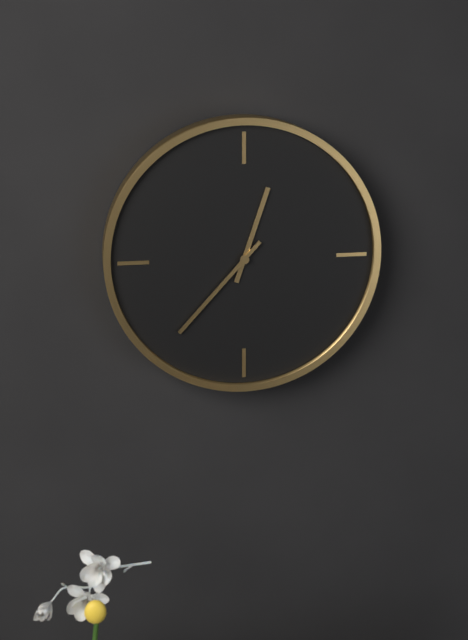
12:37
